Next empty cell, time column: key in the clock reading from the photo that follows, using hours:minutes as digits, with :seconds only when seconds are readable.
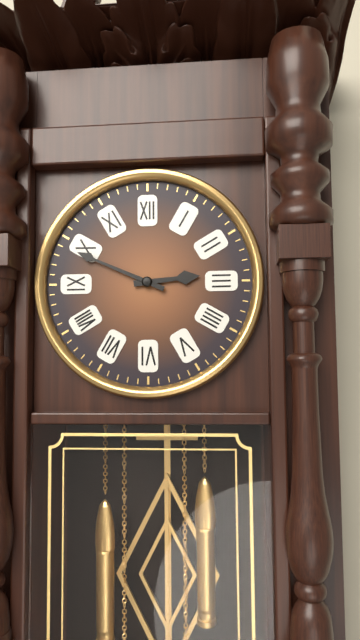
2:49
